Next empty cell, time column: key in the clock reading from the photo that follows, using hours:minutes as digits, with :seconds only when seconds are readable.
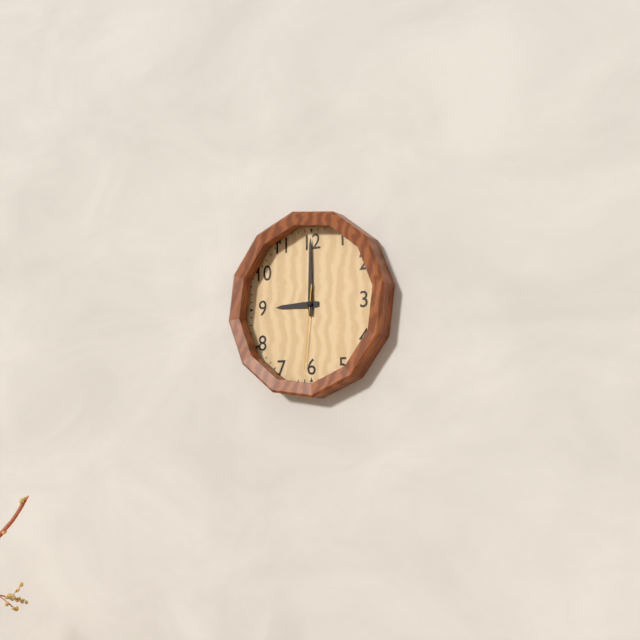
9:00:31
